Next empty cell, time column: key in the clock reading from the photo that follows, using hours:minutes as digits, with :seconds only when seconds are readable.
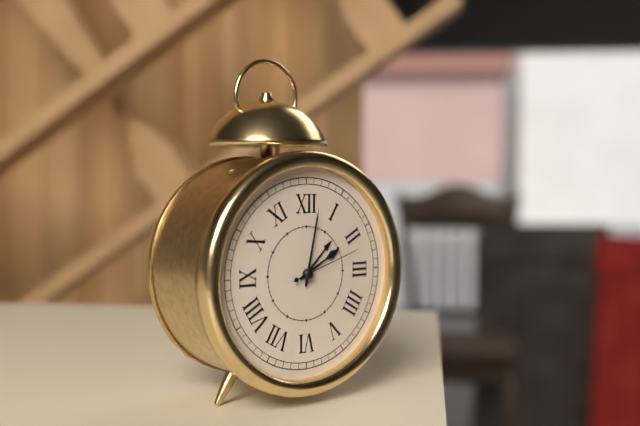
2:02:12
